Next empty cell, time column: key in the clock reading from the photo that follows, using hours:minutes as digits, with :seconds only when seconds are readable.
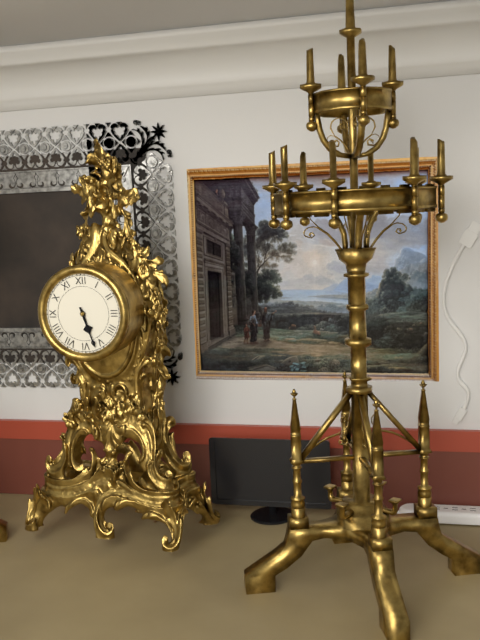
5:27
